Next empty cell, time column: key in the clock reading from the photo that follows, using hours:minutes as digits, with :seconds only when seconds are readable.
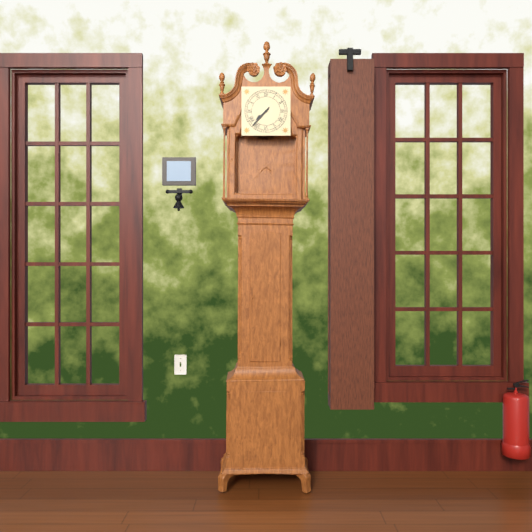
7:37
